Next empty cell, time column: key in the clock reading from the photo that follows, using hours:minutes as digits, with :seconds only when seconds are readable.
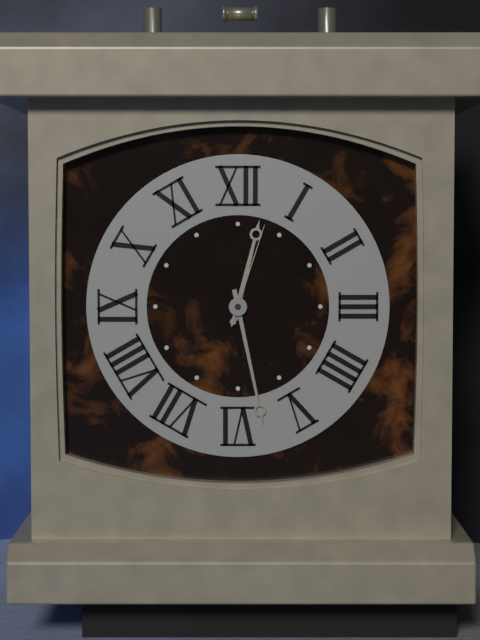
12:28:03
